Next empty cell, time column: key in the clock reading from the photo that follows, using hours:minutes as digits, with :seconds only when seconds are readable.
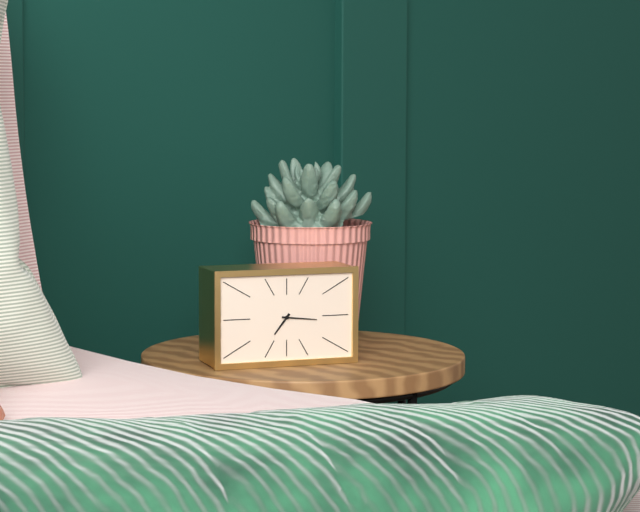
7:16
